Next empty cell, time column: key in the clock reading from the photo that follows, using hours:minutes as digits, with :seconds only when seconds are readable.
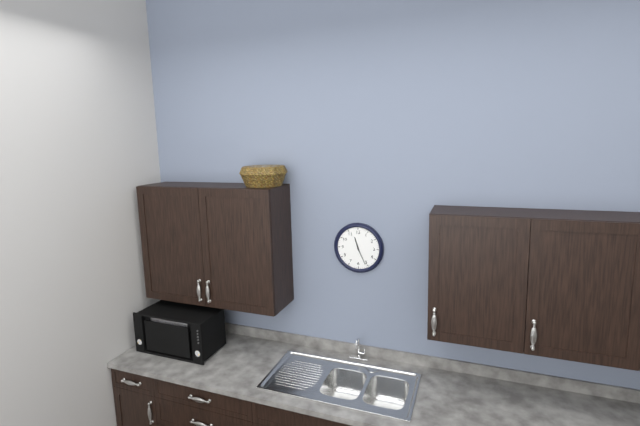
11:26
